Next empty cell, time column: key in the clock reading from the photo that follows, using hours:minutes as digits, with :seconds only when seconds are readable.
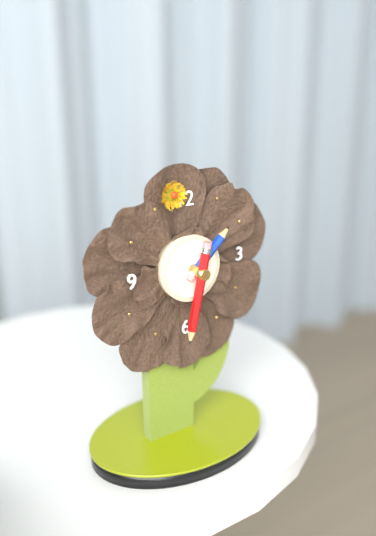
1:32
